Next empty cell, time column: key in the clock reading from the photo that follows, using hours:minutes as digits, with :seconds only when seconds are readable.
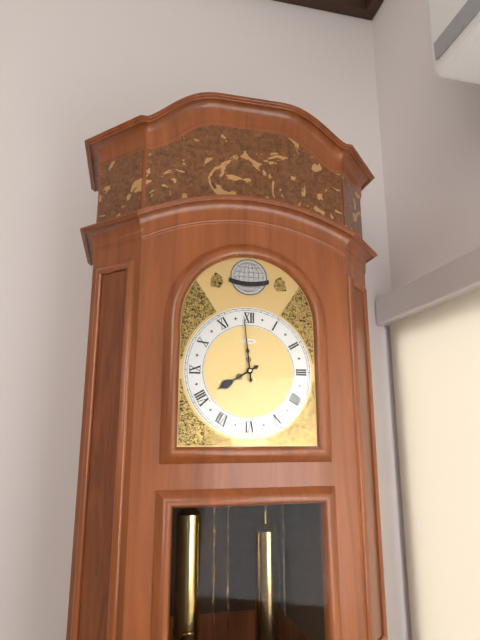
7:59
